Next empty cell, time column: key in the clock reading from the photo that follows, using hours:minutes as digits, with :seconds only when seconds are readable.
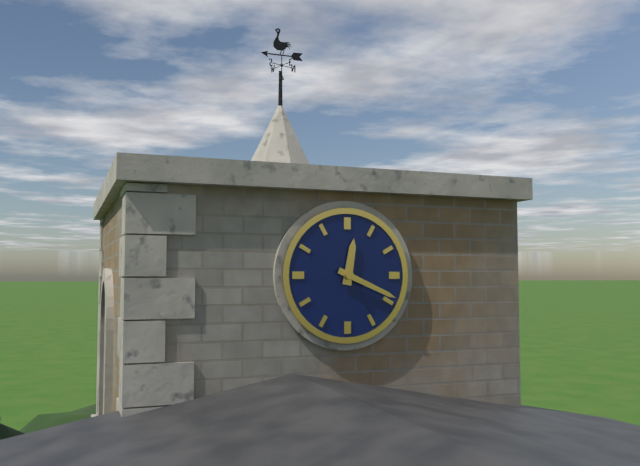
12:19
